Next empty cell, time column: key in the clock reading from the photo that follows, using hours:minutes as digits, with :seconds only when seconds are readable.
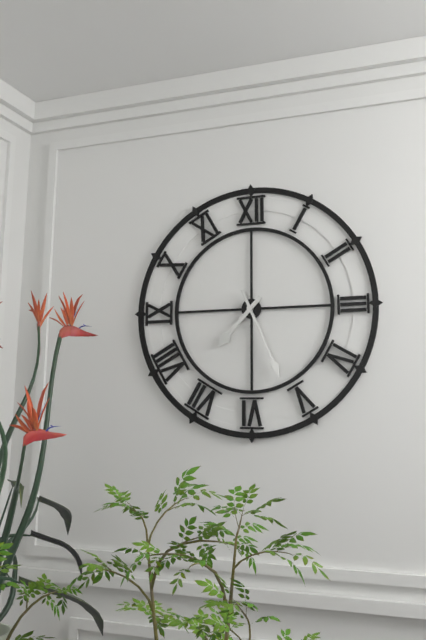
7:26
